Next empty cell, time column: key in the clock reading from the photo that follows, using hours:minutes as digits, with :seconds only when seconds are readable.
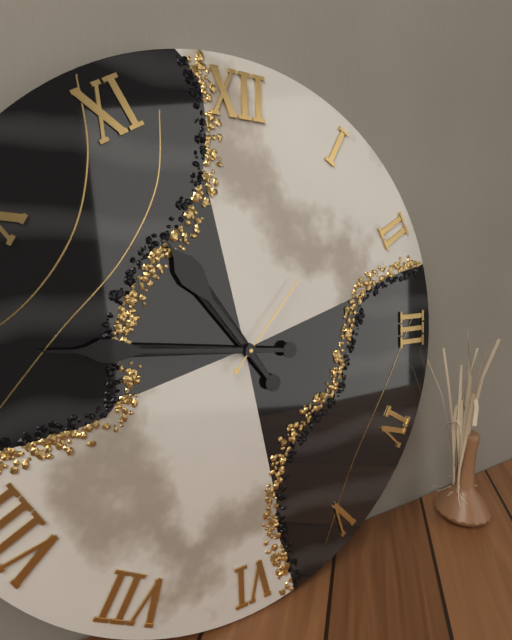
10:46:07
